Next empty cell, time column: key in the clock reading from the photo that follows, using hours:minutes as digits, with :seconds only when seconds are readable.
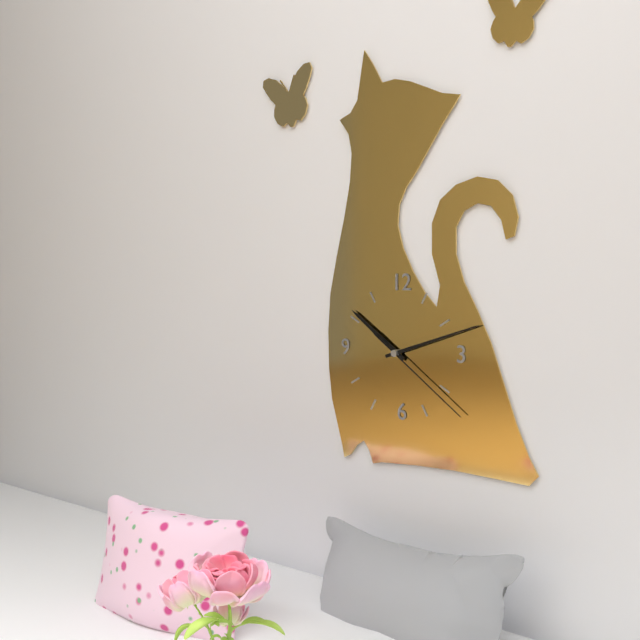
10:12:21
